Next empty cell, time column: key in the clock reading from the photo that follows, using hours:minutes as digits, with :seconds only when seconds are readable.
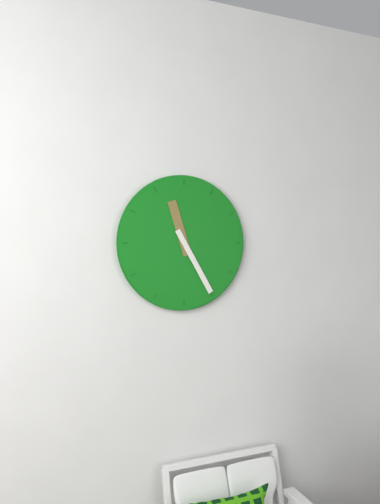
11:25
